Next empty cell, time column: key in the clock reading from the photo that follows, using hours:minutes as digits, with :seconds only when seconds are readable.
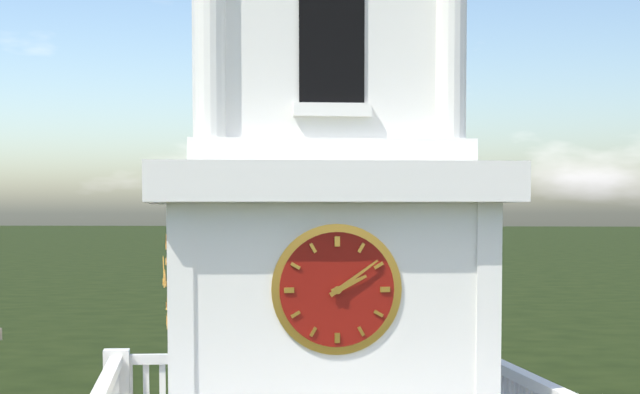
2:09
